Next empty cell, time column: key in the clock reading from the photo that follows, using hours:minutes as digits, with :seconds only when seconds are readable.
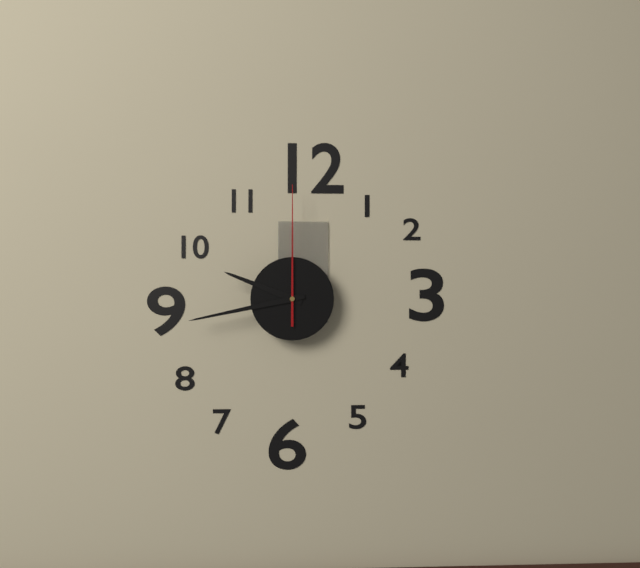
9:43:00
